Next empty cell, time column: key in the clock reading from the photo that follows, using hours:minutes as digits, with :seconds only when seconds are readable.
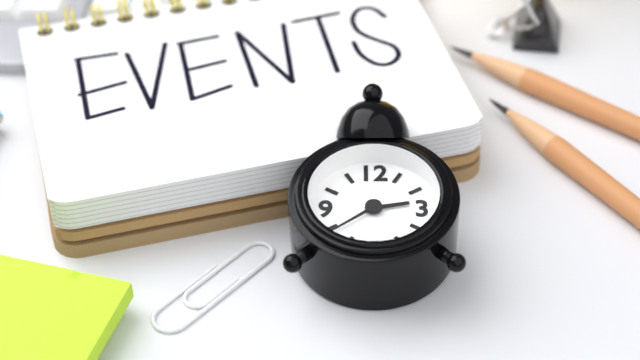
2:39
